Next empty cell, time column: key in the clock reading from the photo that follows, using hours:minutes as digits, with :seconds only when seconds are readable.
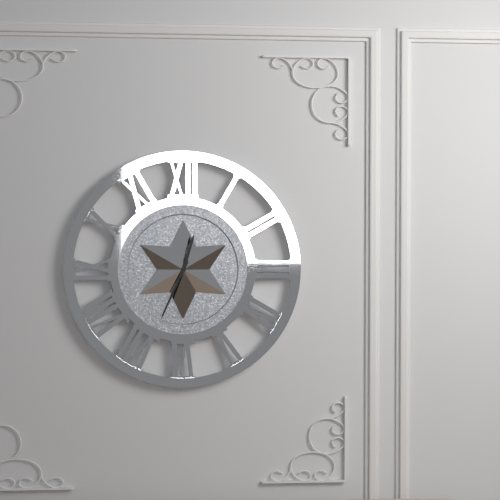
12:34
